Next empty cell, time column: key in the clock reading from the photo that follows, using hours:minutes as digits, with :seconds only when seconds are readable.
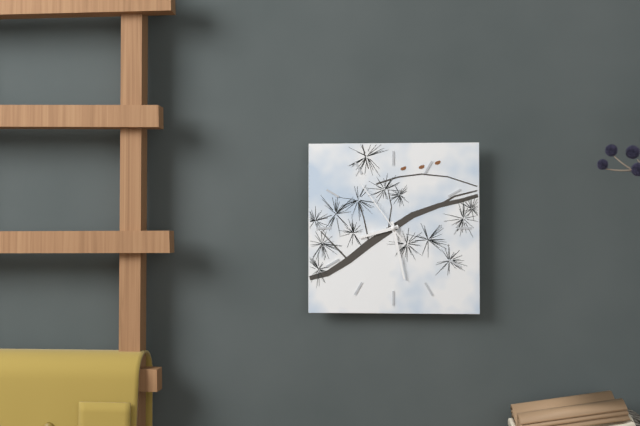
8:28:54
